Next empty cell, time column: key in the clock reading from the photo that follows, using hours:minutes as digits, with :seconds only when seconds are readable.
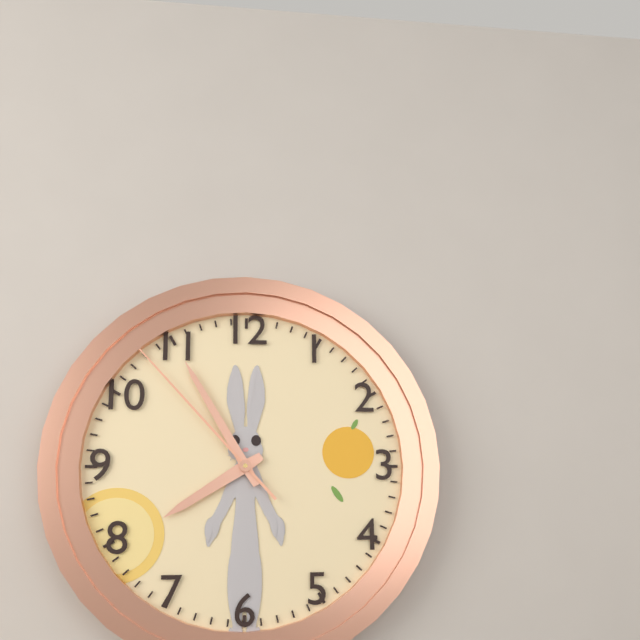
7:55:53
